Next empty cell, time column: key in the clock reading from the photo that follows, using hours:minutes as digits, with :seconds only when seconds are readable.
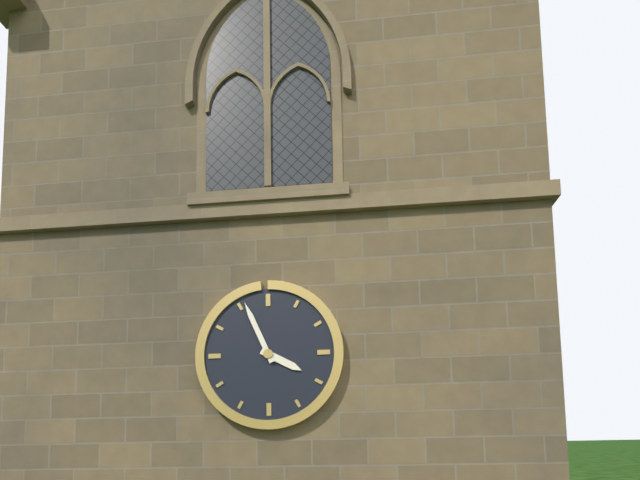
3:56
